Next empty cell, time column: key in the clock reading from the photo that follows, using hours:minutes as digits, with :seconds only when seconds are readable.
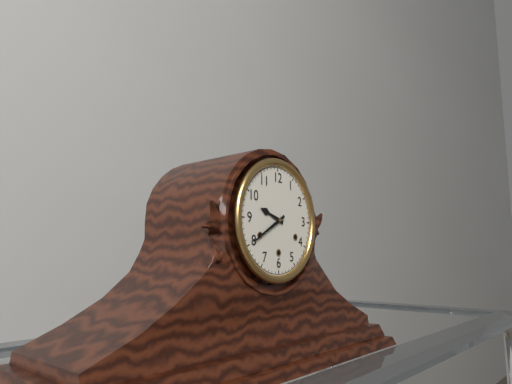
9:40
